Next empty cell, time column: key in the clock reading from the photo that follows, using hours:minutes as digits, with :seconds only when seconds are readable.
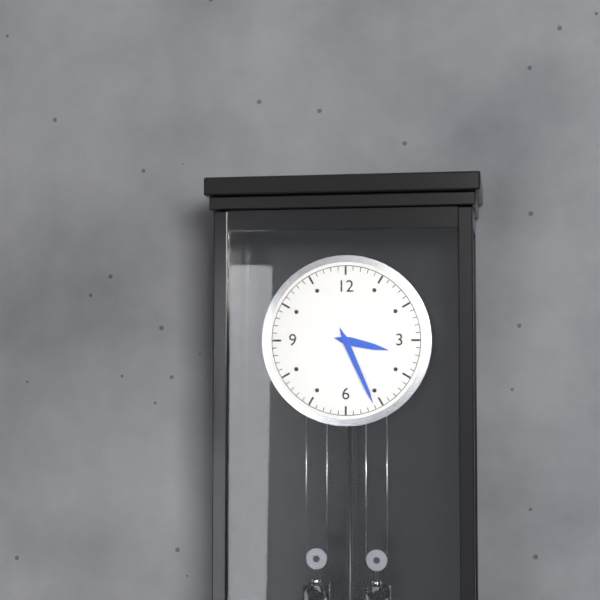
3:26
